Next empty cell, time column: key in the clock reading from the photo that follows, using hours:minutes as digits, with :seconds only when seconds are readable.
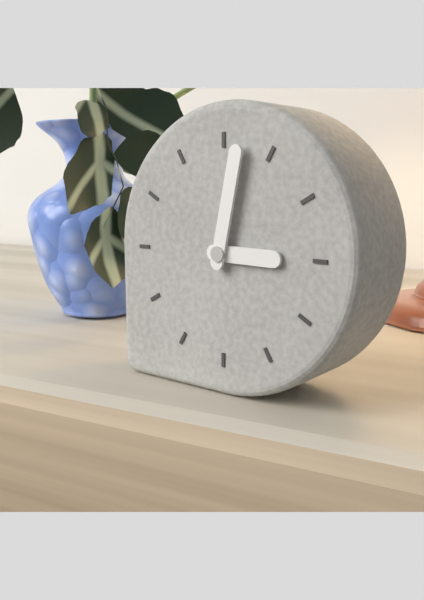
3:02
